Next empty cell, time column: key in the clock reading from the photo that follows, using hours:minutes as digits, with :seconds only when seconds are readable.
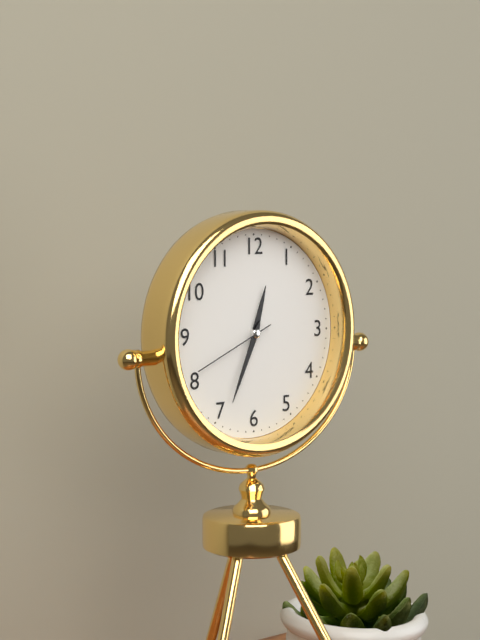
12:34:41
